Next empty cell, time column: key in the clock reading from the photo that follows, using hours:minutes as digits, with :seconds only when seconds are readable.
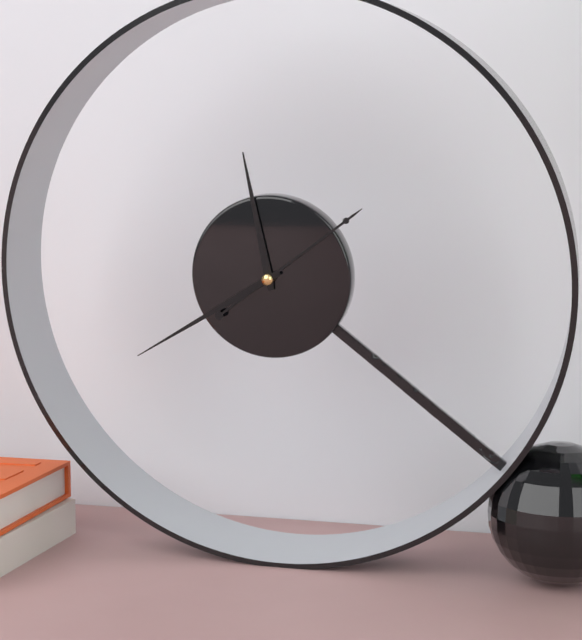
11:40:09
